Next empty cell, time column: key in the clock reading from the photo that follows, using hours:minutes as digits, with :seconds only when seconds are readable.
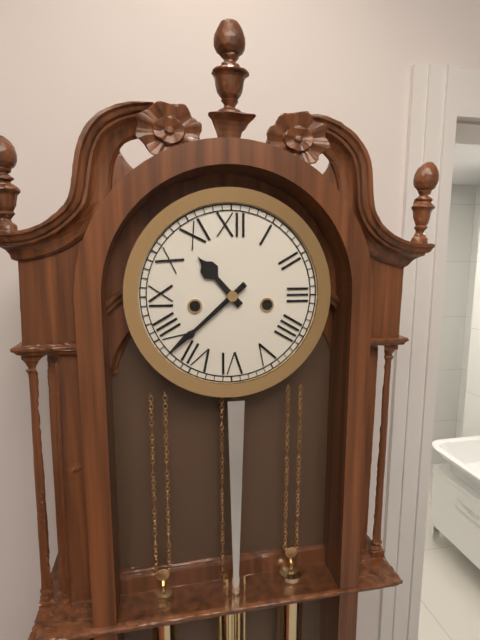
10:38
